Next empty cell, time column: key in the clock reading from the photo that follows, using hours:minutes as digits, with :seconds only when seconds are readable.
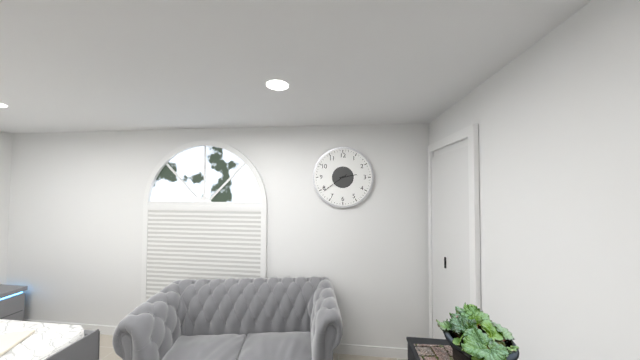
2:39
